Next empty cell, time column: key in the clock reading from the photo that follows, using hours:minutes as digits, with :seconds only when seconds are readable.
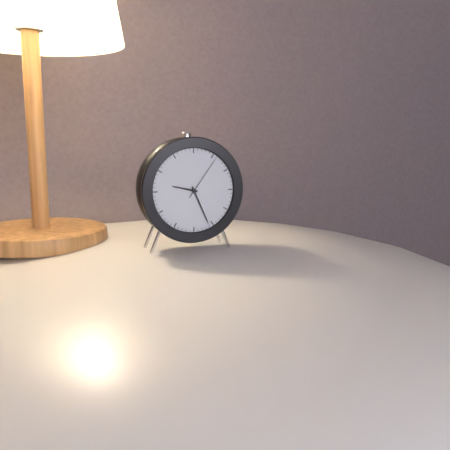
9:26
